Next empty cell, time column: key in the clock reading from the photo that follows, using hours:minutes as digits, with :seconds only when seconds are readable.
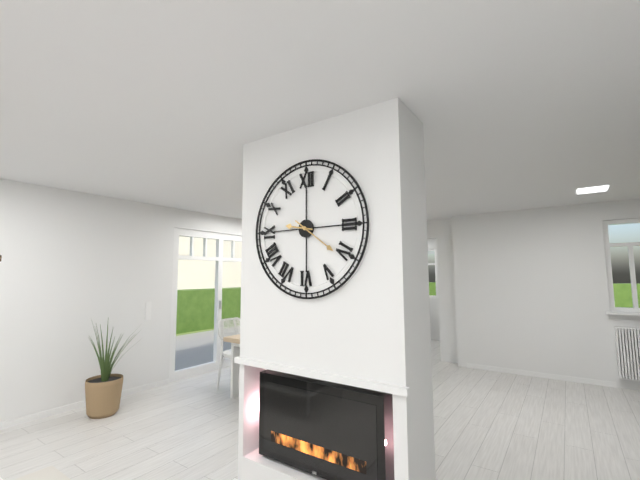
9:21
